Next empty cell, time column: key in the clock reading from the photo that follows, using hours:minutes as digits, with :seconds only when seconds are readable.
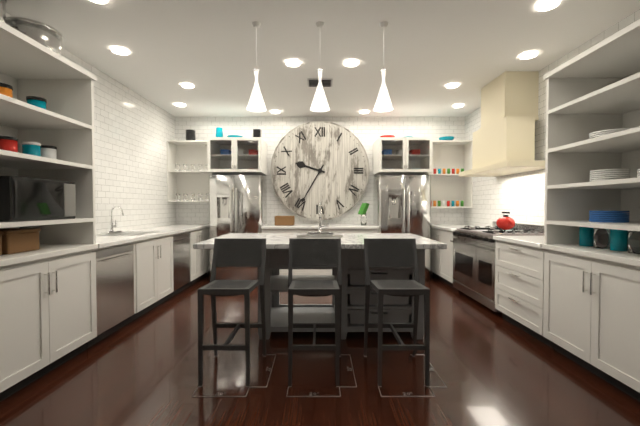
9:35
